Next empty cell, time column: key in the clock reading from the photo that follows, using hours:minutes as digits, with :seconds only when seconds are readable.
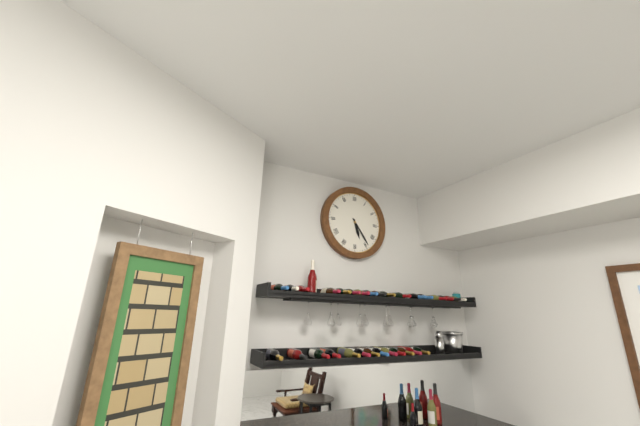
5:24
